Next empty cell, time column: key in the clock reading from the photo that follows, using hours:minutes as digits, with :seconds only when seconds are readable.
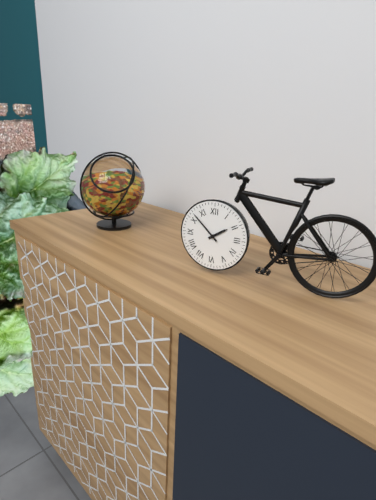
1:52
